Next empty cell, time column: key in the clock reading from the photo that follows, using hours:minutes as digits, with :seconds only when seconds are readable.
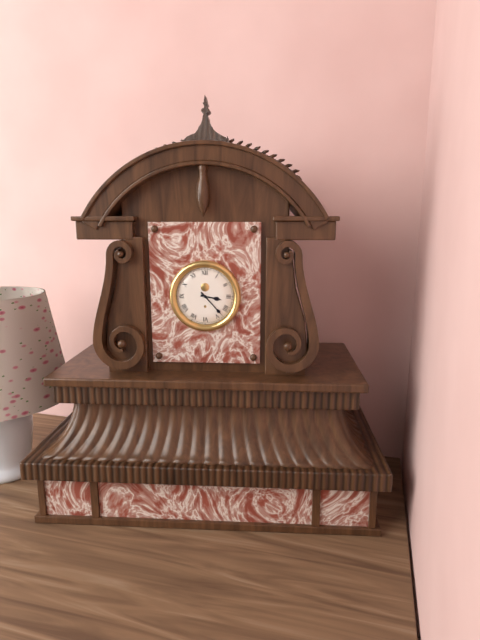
3:23
